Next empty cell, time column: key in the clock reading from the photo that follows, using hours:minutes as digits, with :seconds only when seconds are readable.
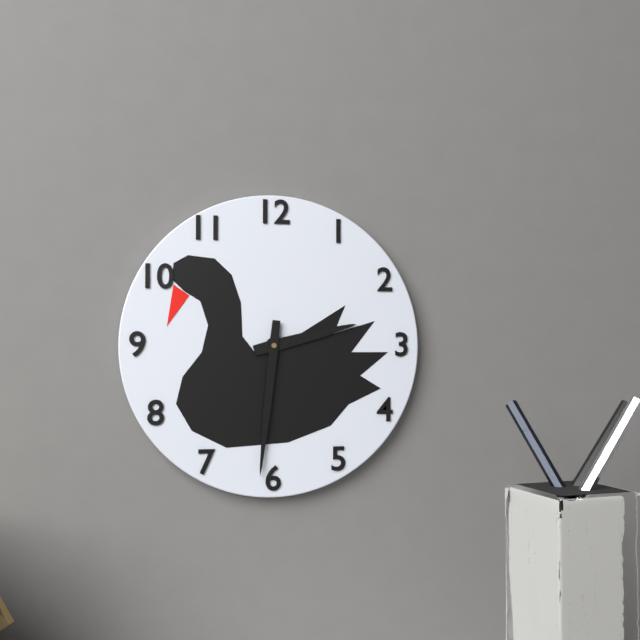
2:31
